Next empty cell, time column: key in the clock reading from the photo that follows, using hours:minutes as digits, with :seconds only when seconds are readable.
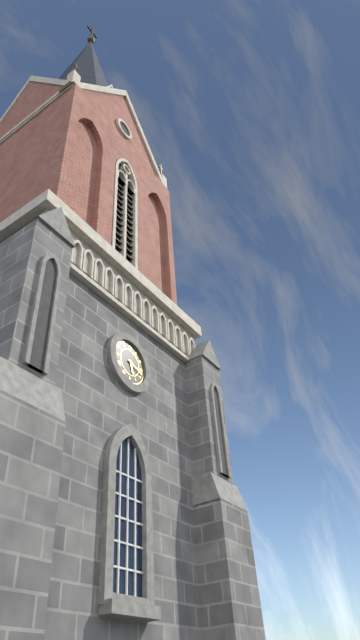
5:18
